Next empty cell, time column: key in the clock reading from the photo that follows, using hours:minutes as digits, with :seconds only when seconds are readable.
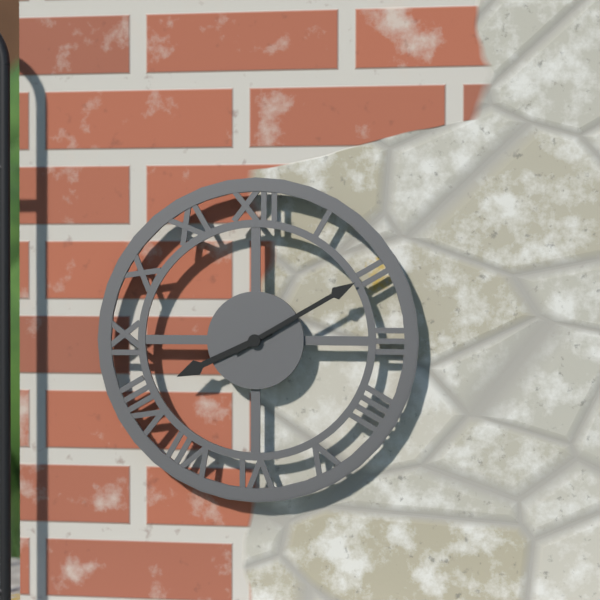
8:10
